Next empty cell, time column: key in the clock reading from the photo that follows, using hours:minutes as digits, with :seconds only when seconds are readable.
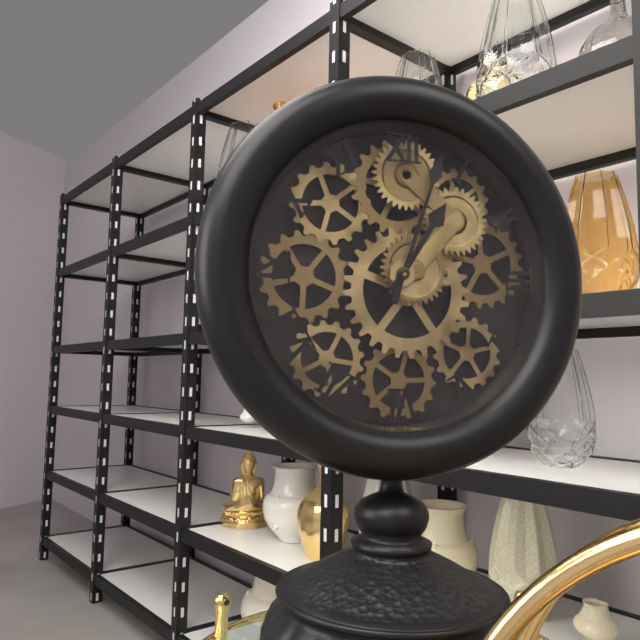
1:03
